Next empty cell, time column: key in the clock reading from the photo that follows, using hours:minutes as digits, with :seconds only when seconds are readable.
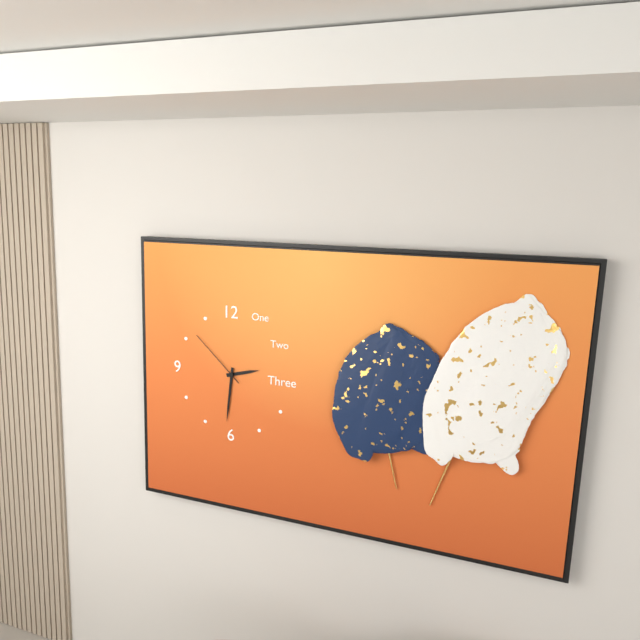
2:31:52
